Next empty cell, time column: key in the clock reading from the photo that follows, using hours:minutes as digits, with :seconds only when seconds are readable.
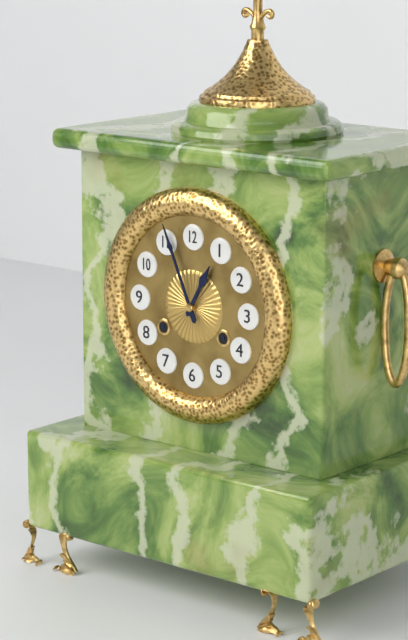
12:56
